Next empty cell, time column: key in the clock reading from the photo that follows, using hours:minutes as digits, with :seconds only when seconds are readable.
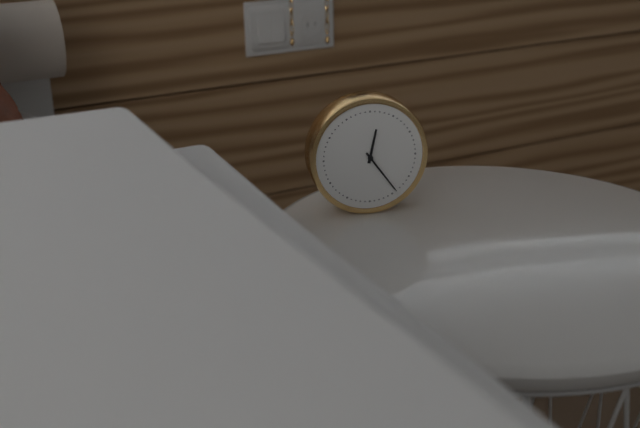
12:24
